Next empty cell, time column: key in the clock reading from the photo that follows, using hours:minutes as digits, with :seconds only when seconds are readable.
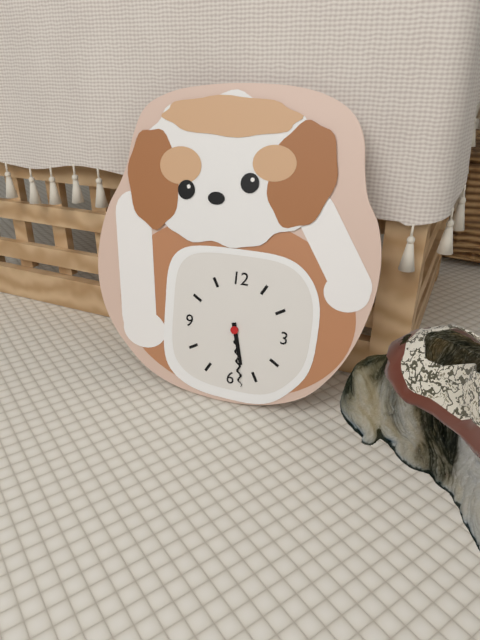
5:28
